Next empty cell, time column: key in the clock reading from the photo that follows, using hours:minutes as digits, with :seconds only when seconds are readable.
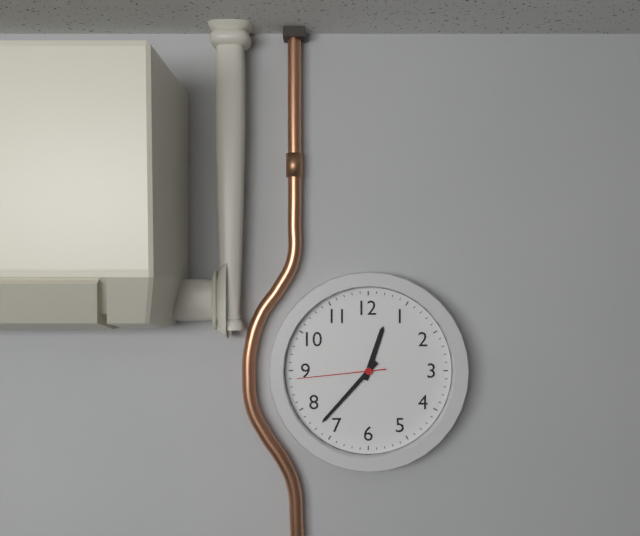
12:37:44
